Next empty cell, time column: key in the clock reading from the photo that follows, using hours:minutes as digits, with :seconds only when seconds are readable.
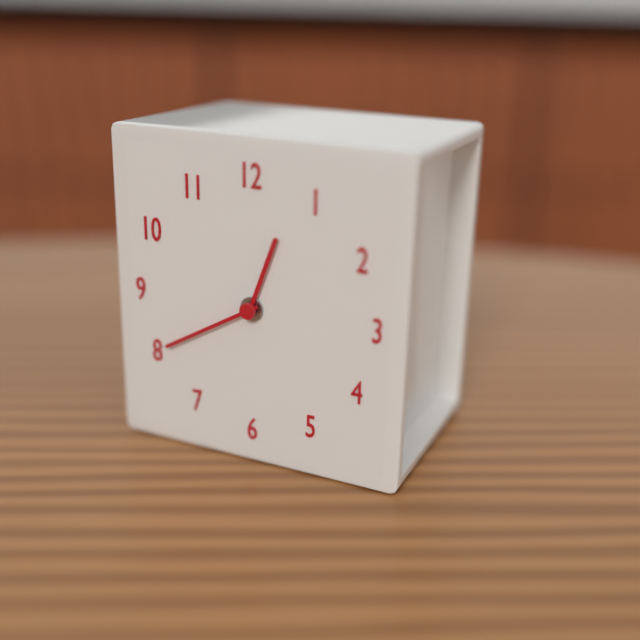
12:40
